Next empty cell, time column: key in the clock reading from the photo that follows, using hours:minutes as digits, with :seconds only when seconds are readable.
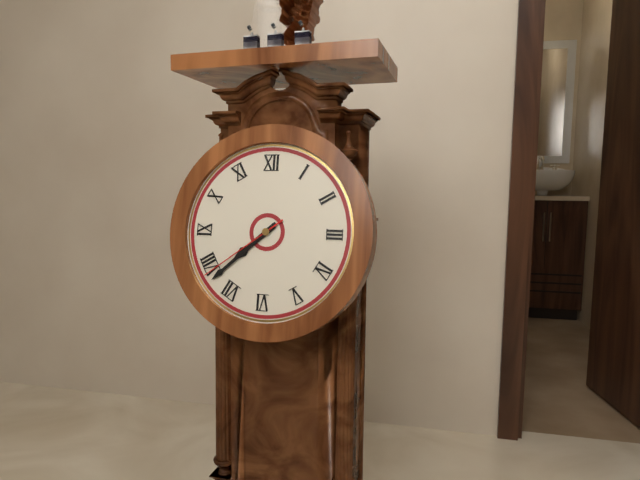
7:38:39
